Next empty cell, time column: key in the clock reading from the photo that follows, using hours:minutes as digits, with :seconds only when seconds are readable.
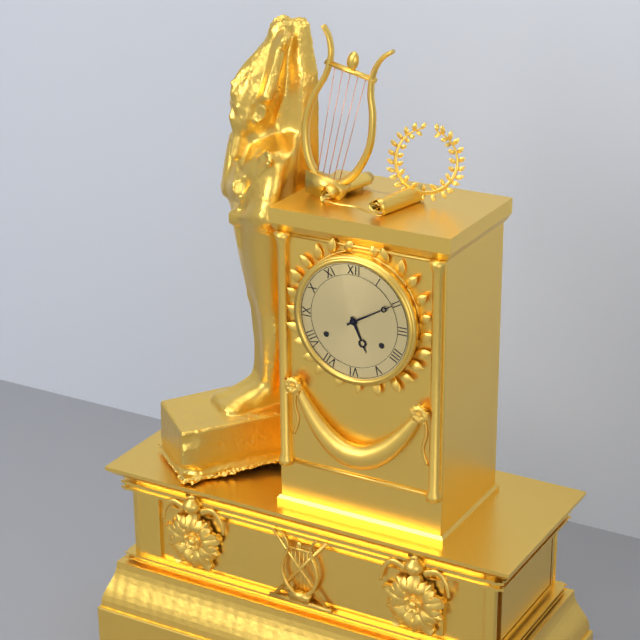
5:10
